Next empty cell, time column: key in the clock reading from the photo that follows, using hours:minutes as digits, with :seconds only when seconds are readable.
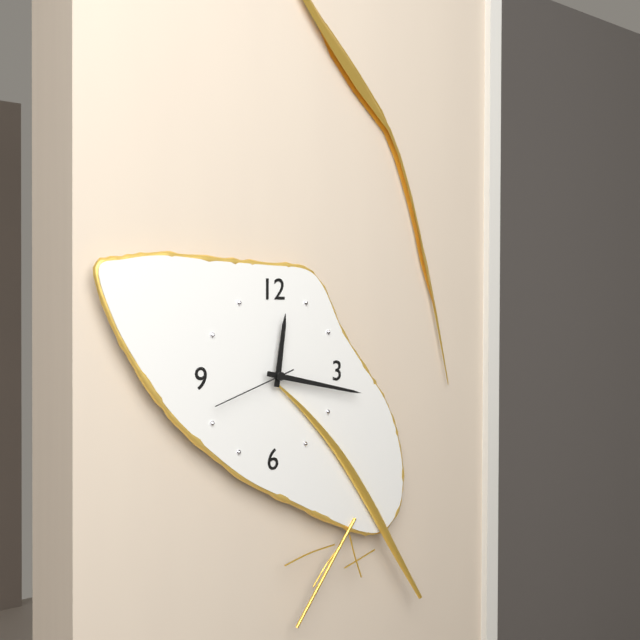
12:17:42
